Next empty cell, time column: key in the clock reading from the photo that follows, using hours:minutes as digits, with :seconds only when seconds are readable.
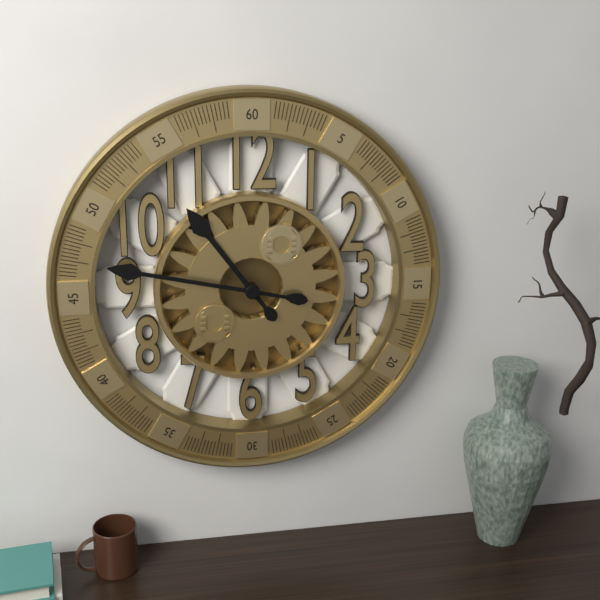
10:47
